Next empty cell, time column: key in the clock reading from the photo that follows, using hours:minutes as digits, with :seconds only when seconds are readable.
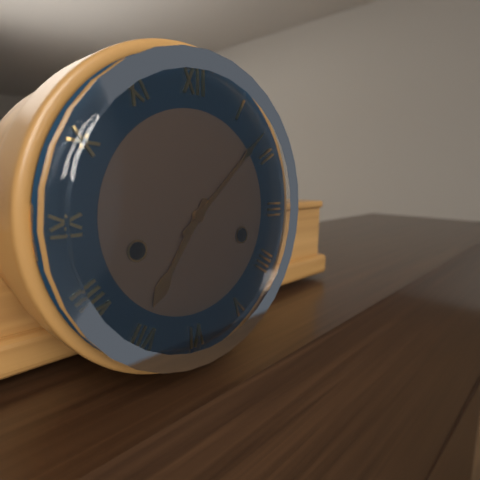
7:08
